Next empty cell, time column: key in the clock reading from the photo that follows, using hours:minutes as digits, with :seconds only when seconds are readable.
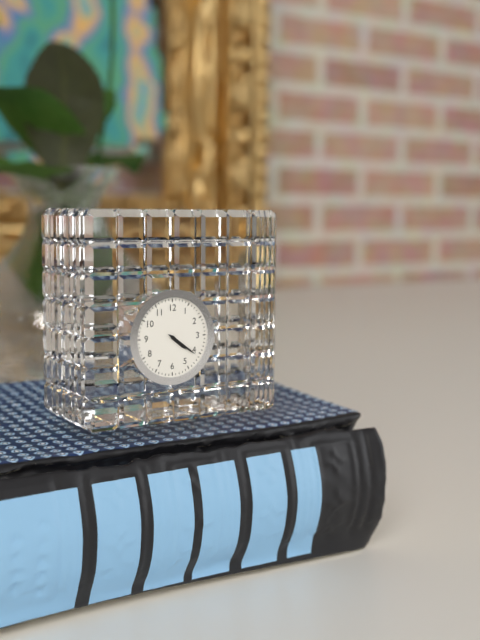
4:21
